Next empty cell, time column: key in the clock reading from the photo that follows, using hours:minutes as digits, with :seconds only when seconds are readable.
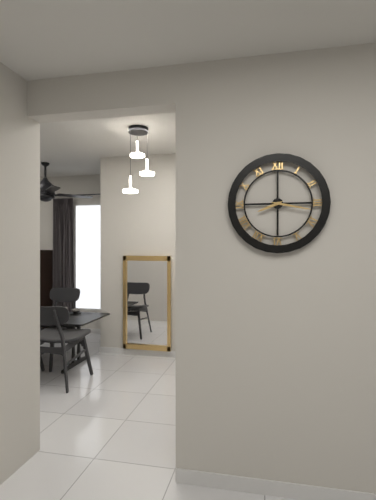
8:17
